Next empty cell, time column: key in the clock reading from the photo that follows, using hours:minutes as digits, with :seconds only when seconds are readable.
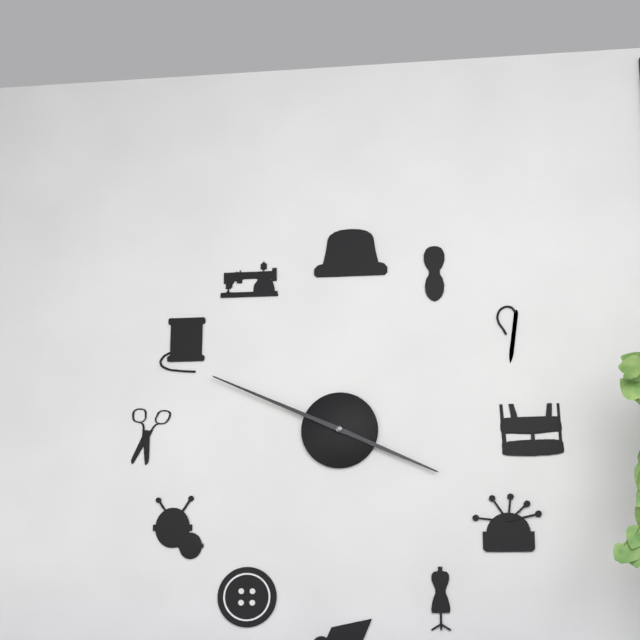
3:49
